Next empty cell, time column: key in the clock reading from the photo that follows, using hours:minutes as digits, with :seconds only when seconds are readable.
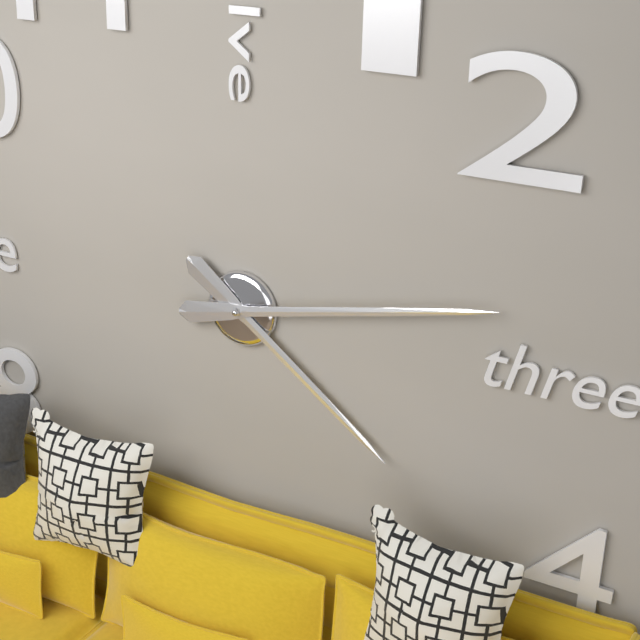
4:13
